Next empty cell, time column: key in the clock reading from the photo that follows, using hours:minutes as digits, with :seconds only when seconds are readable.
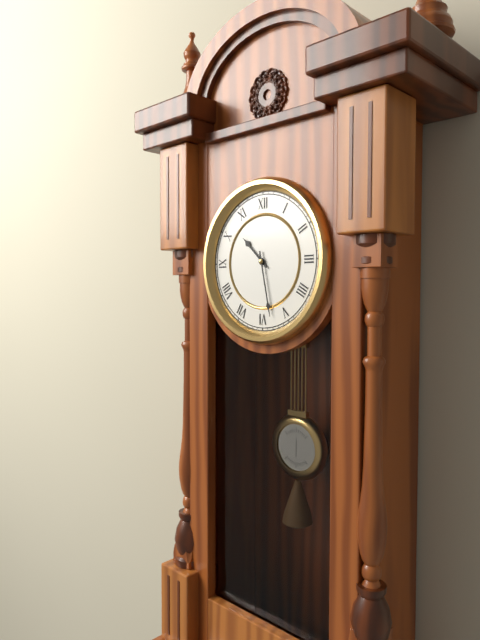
10:28
